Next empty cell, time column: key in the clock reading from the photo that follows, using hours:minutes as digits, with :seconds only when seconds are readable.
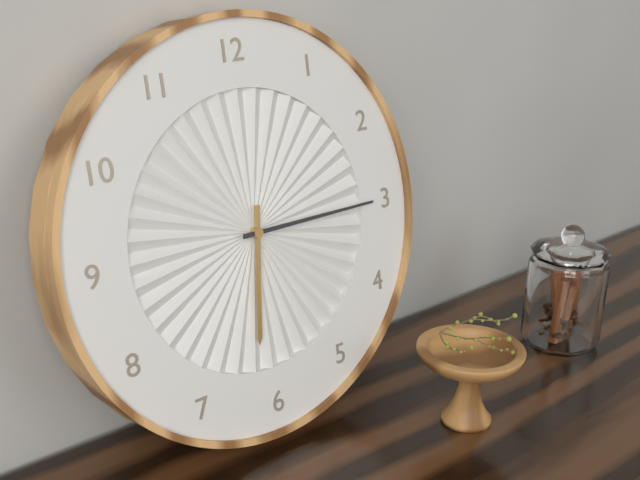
6:15
